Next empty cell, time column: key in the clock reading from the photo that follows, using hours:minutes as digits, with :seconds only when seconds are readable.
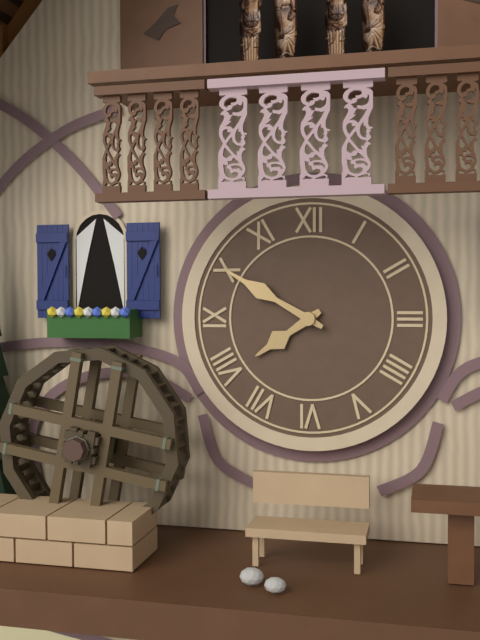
7:50
